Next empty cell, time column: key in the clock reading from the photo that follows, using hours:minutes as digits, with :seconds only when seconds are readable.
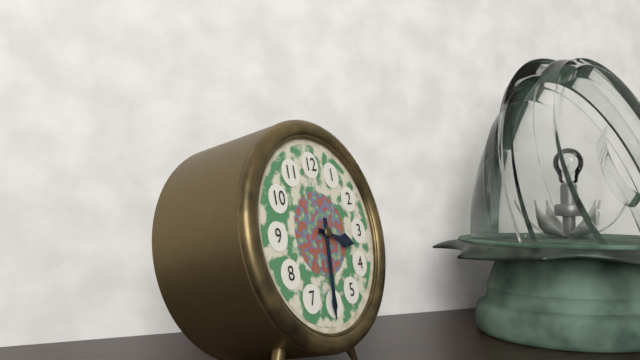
3:31
